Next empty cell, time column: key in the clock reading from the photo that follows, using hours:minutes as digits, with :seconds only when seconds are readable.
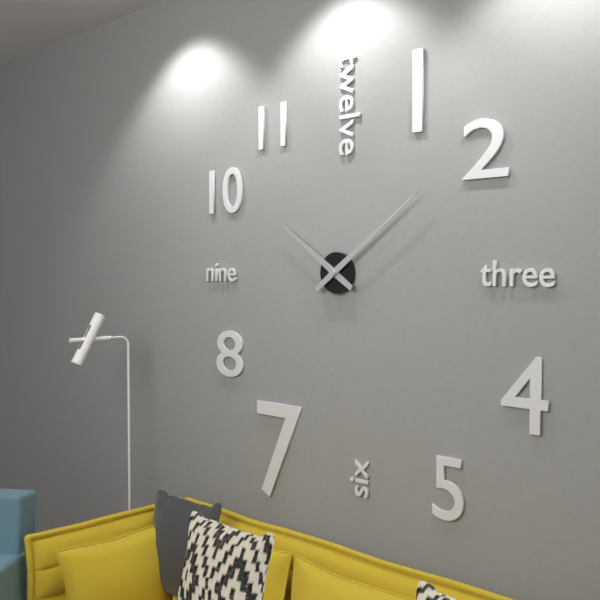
10:09
